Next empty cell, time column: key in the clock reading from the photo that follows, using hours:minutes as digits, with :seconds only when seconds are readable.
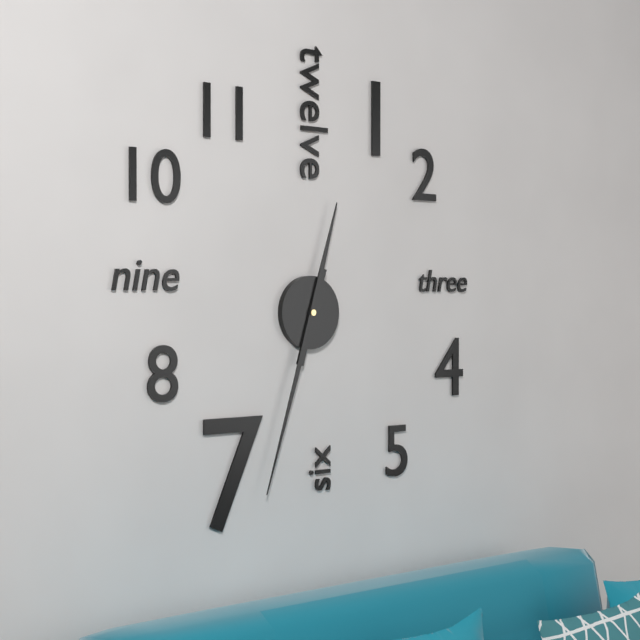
12:33
